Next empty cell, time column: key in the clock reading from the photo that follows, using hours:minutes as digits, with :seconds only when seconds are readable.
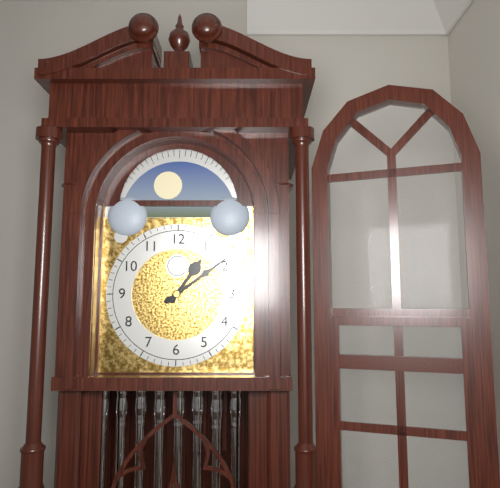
1:09
